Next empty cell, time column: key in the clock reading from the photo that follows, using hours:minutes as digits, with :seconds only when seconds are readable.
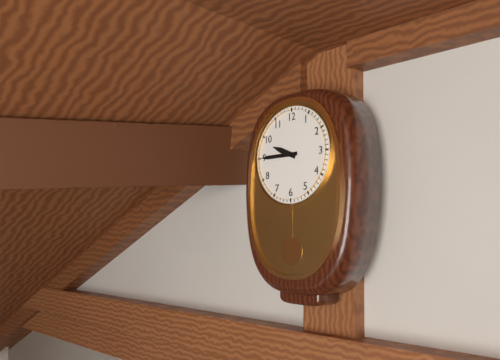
9:45
